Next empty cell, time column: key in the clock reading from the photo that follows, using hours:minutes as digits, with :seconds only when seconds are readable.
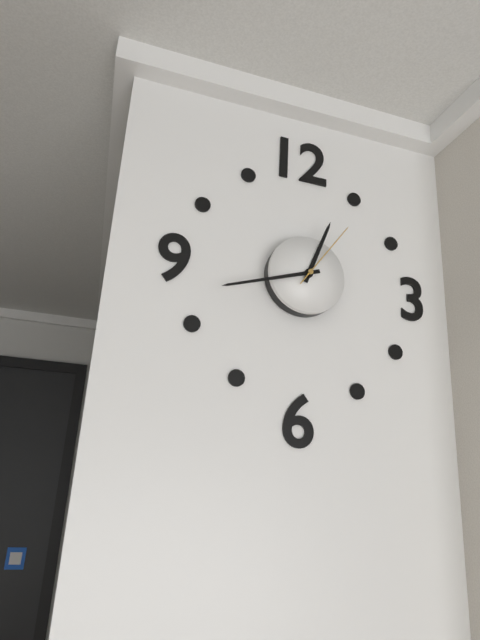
12:42:06
